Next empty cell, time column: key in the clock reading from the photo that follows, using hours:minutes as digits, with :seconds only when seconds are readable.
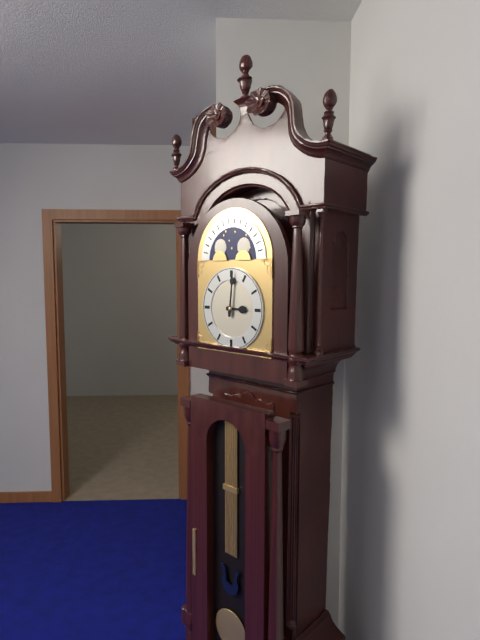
3:01
